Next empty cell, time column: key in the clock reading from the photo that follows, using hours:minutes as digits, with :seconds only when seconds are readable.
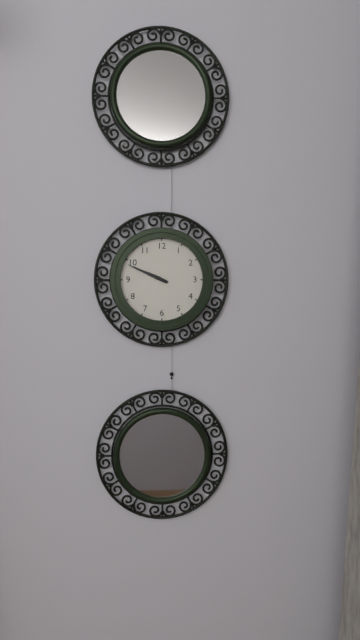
9:49
